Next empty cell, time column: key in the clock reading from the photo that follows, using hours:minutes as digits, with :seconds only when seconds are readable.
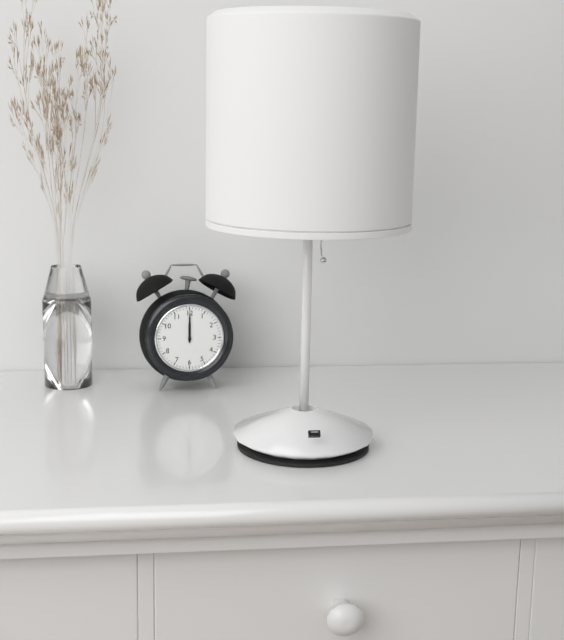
12:00
